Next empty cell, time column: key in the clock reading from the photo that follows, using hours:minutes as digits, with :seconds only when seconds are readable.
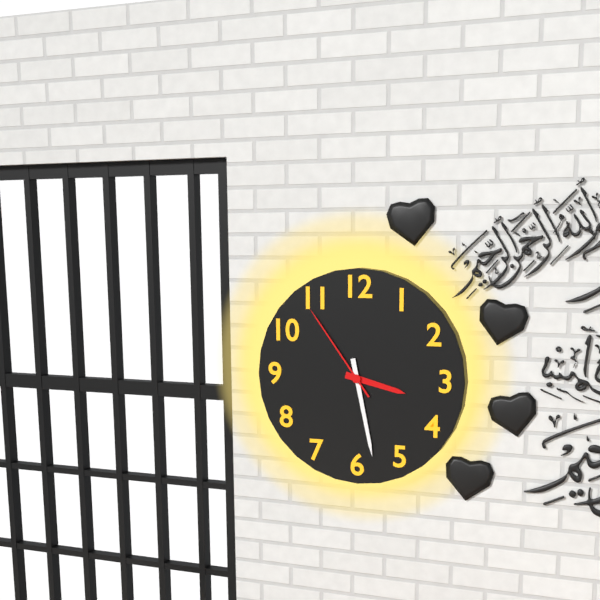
3:28:54
